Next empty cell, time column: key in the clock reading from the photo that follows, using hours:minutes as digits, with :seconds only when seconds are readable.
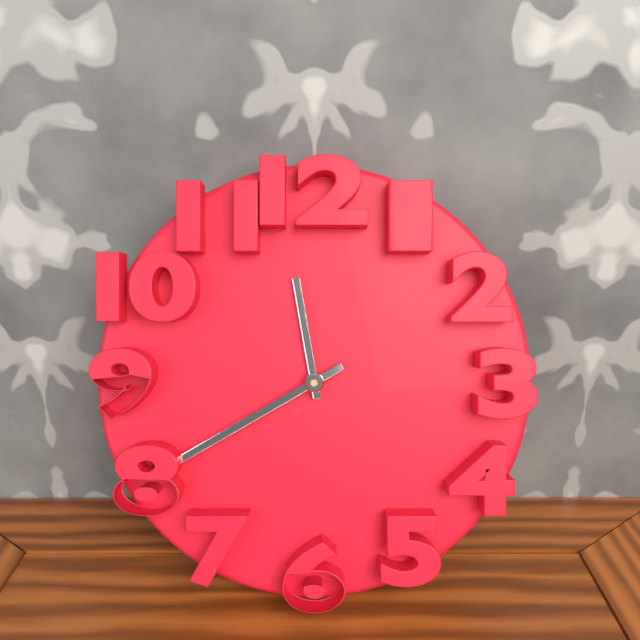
11:40
